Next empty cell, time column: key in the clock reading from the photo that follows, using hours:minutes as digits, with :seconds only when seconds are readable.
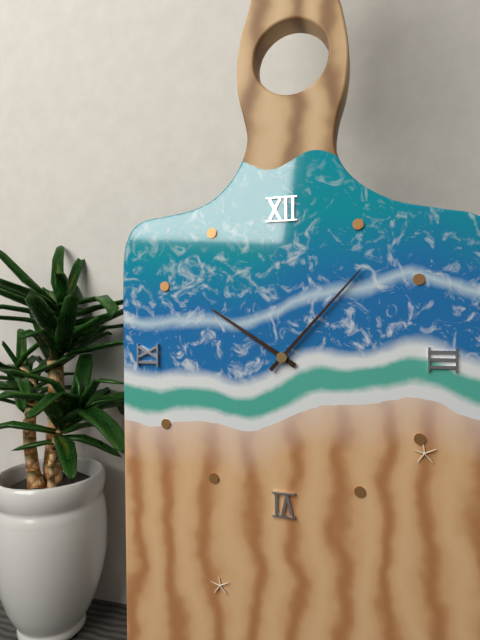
10:07
